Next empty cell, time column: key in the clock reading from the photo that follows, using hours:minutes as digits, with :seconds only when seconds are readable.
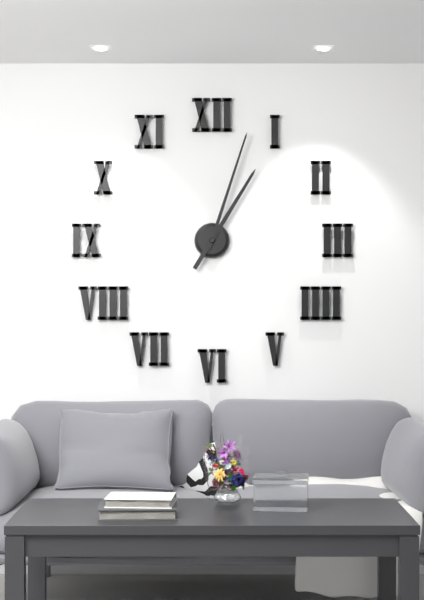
1:03
